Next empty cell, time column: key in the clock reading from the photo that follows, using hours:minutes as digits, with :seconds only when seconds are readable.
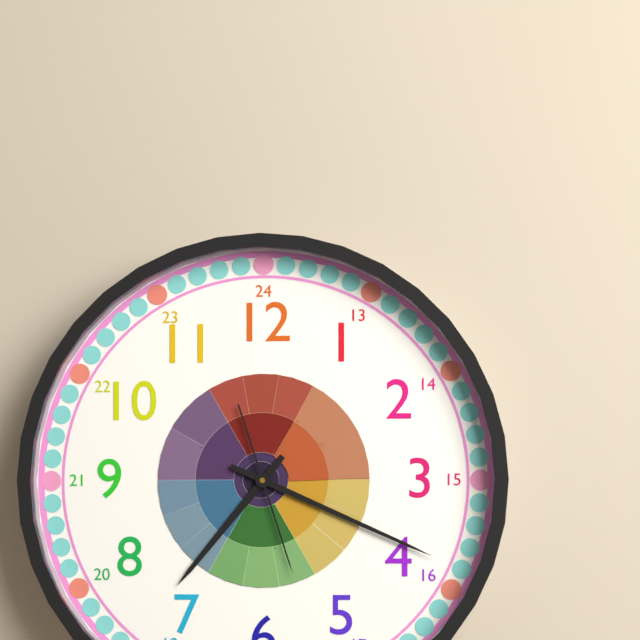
7:19:27
